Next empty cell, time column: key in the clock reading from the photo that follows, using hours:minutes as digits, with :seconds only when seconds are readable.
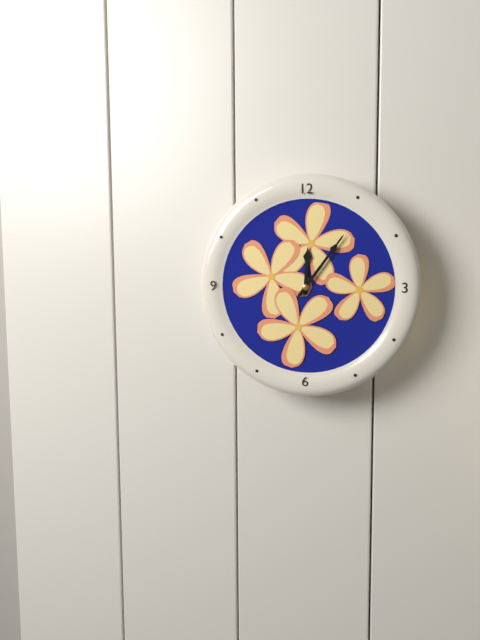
12:06
